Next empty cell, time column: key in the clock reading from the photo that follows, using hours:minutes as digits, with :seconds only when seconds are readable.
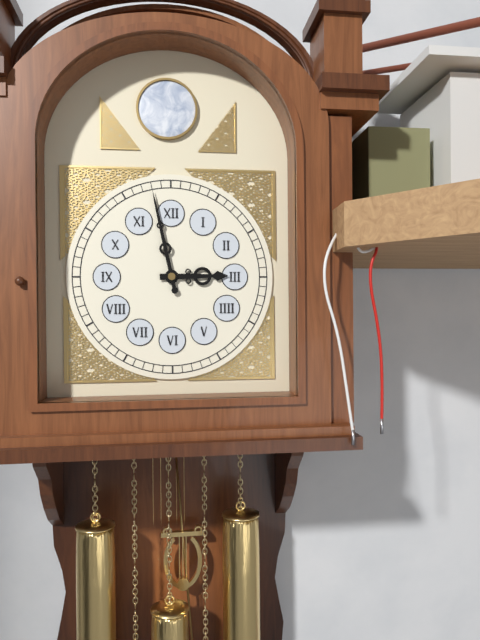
2:58
